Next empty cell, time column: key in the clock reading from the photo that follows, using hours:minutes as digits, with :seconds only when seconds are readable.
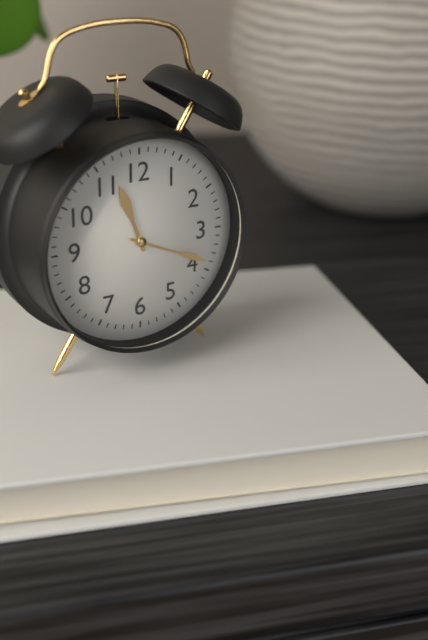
11:19
